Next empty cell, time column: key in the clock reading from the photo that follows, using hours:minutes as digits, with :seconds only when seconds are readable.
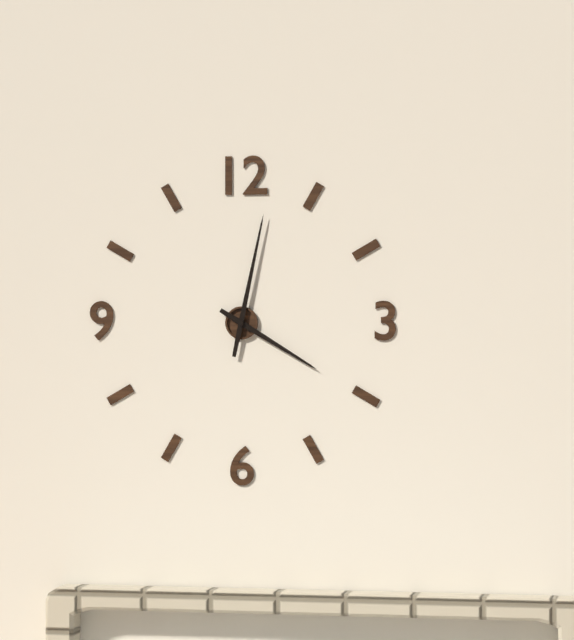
4:02
